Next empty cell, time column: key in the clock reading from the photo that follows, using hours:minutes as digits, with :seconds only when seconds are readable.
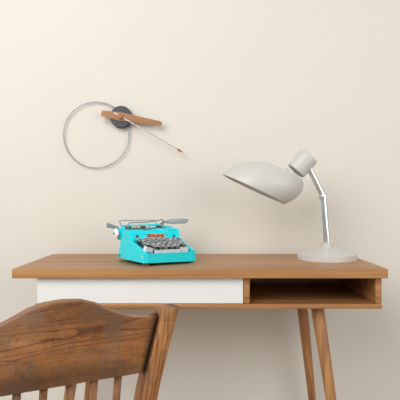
3:20
